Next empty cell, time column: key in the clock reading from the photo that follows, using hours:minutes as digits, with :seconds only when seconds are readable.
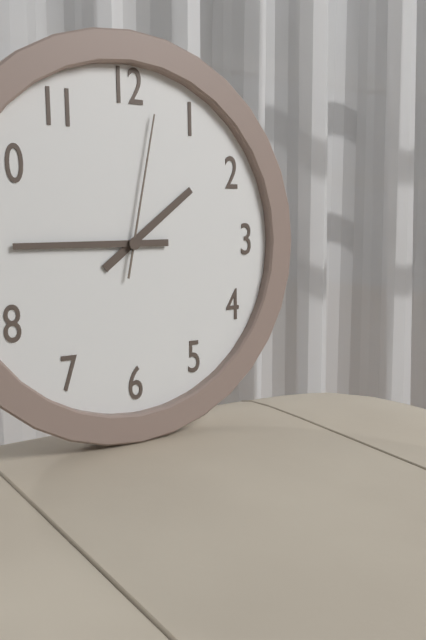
1:45:02
